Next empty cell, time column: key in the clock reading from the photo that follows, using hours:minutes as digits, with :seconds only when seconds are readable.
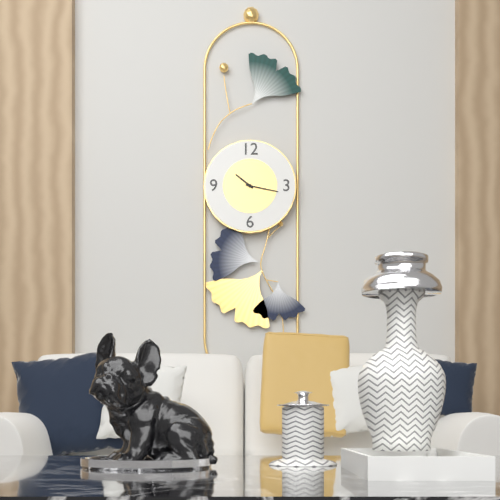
10:17
